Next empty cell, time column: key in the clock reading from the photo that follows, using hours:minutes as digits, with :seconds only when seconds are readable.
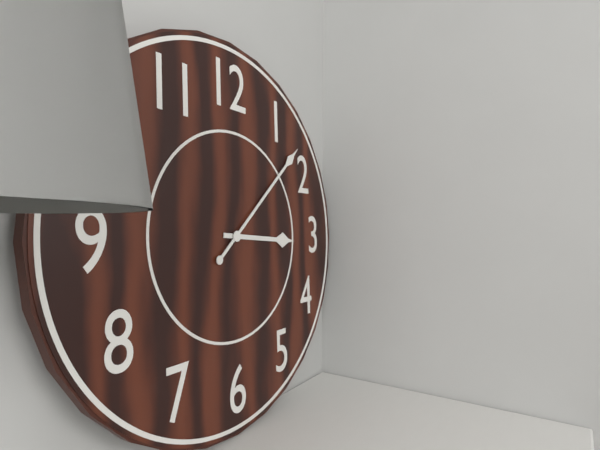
3:08
